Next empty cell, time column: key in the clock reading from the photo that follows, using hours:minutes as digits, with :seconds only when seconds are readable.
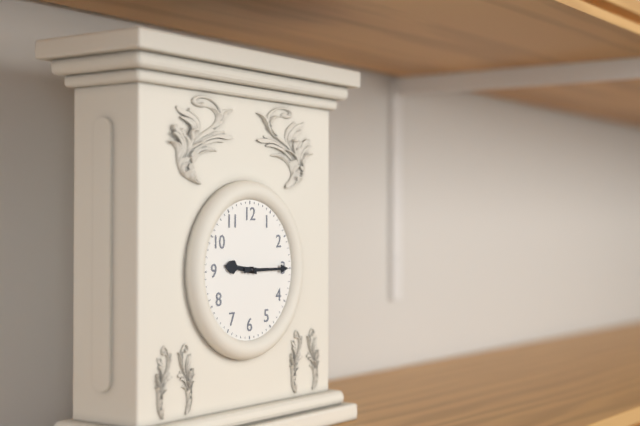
9:15
